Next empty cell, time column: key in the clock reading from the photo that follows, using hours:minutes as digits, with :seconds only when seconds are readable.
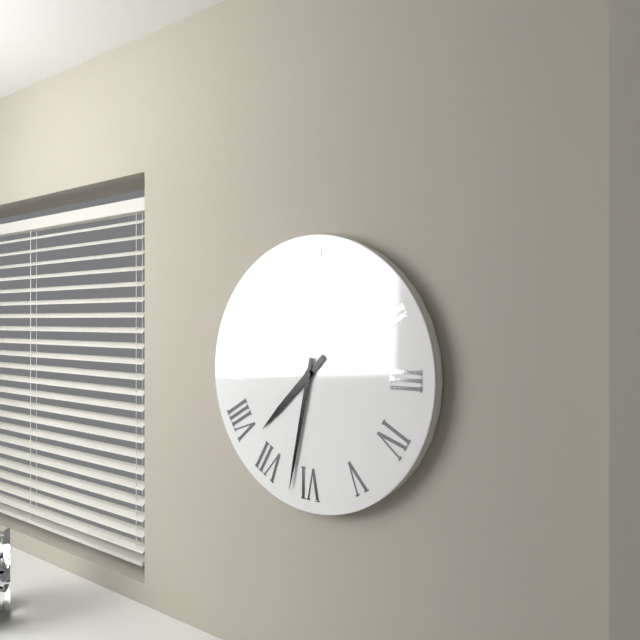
7:32
